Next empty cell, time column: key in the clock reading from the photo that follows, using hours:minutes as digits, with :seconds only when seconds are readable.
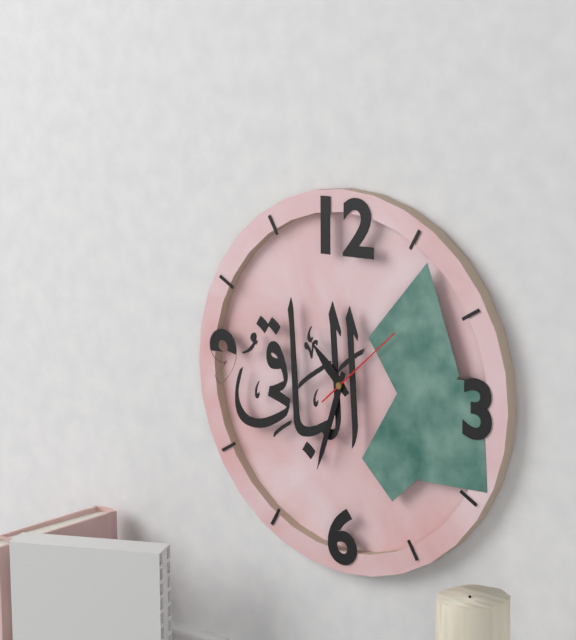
10:33:08
